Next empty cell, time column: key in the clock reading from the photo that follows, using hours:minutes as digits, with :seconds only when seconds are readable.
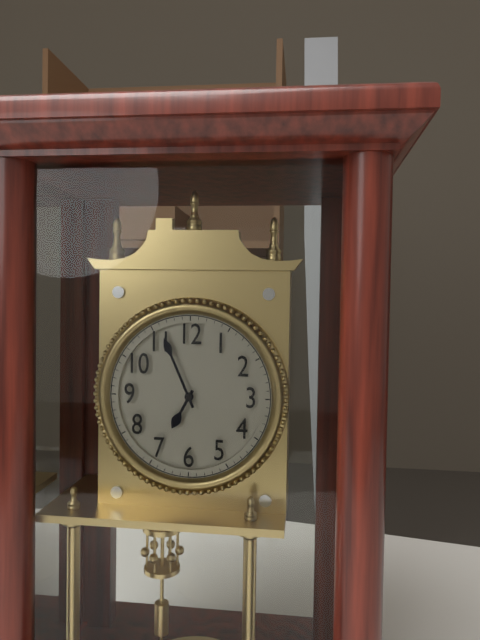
6:56
